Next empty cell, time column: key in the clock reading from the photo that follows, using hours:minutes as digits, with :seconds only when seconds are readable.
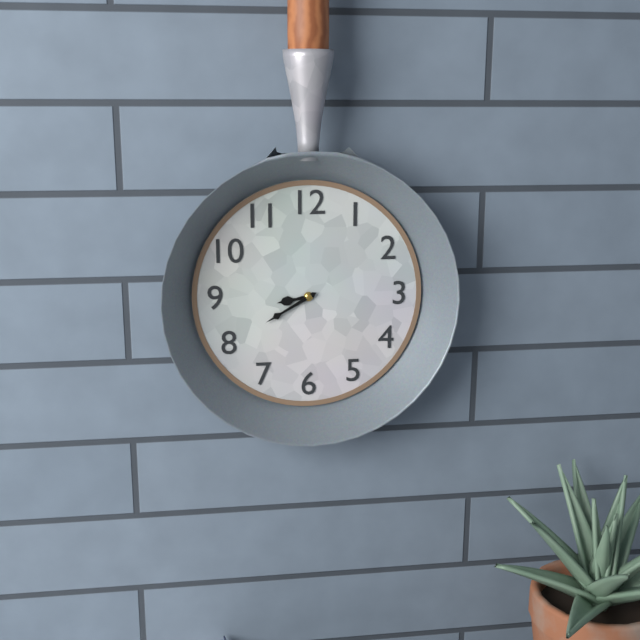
8:40
